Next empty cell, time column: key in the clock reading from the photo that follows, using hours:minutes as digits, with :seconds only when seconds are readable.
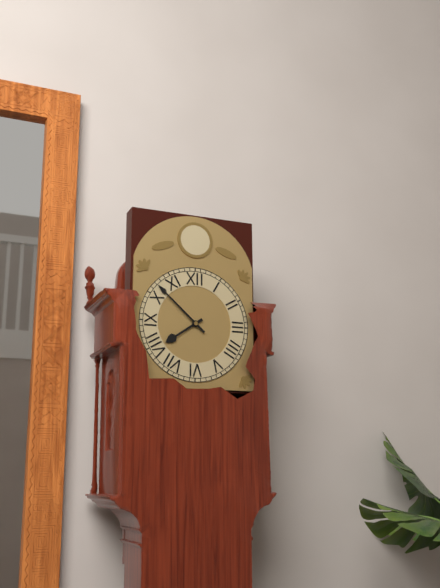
7:52
